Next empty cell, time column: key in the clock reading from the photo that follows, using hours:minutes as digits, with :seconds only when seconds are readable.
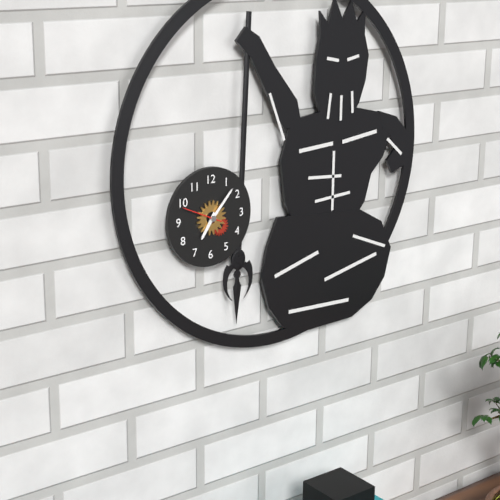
7:07
